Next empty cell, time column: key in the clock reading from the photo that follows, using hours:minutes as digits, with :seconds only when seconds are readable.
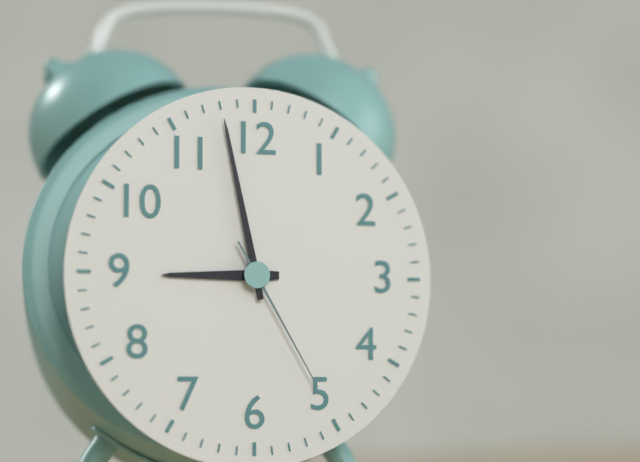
8:58:25
